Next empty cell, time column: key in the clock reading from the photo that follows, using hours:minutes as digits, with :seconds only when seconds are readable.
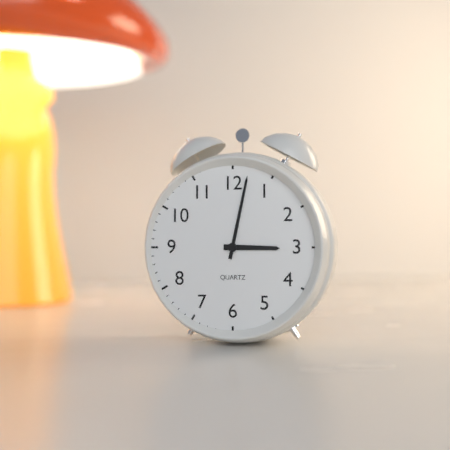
3:02
